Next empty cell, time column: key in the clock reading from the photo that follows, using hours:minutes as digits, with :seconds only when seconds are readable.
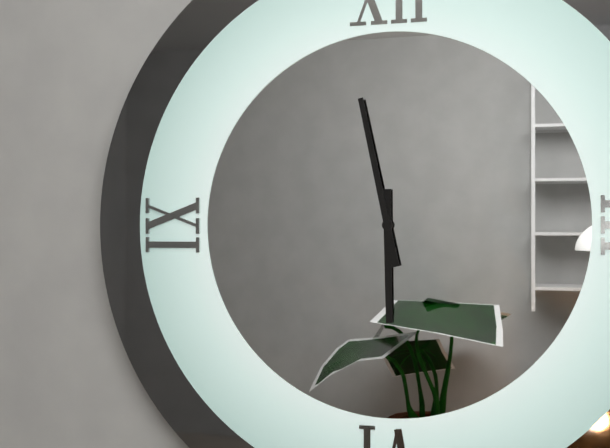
5:58
